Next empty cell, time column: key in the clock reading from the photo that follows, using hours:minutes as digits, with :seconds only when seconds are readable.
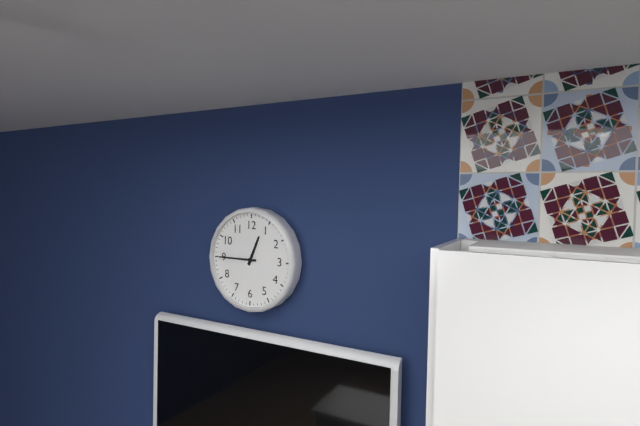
12:45
